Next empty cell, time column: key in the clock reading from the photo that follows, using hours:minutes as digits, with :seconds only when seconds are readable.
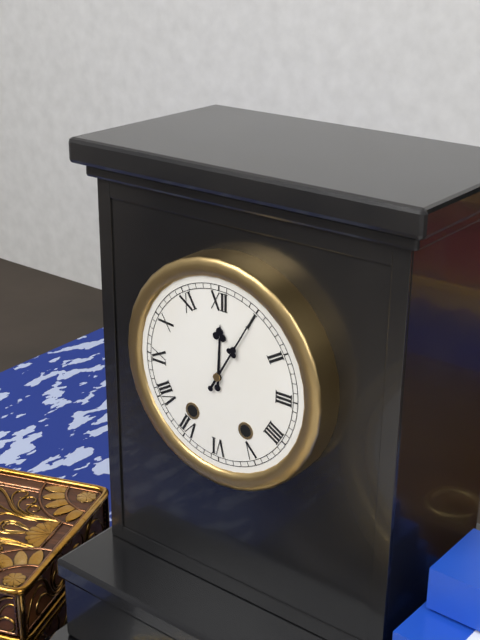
12:05
